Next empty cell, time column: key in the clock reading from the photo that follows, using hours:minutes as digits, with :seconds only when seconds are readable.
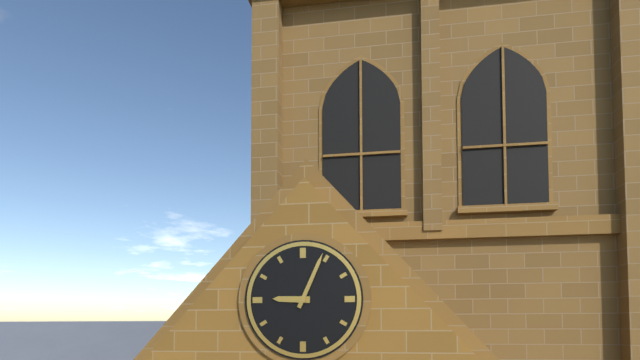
9:04
